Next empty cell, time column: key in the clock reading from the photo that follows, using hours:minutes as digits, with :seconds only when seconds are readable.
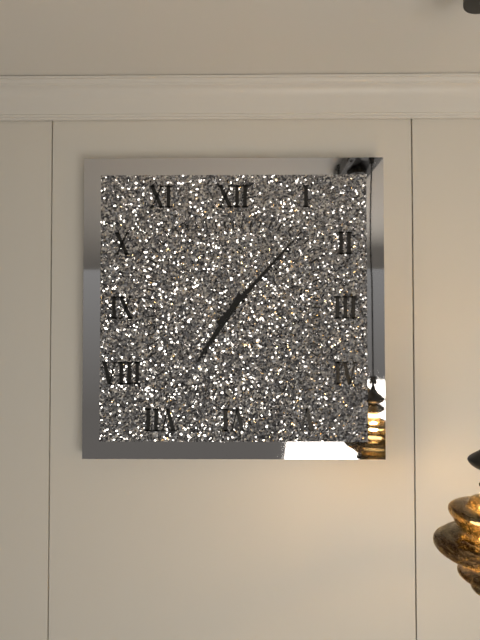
7:07
